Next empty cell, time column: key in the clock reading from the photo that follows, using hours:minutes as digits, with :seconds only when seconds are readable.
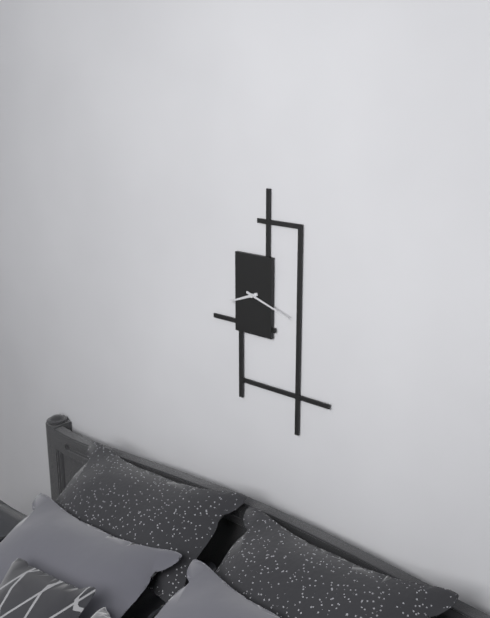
8:18
